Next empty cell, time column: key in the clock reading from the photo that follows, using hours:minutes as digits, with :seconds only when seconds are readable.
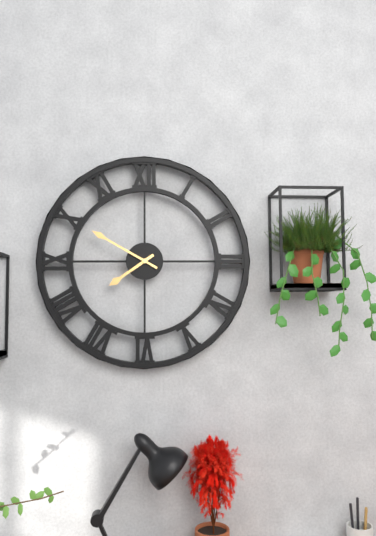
7:50
